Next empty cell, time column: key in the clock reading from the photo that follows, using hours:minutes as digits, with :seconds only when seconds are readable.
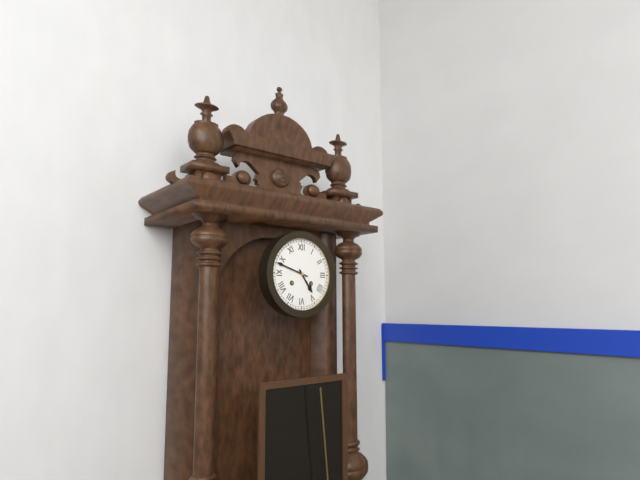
4:48
